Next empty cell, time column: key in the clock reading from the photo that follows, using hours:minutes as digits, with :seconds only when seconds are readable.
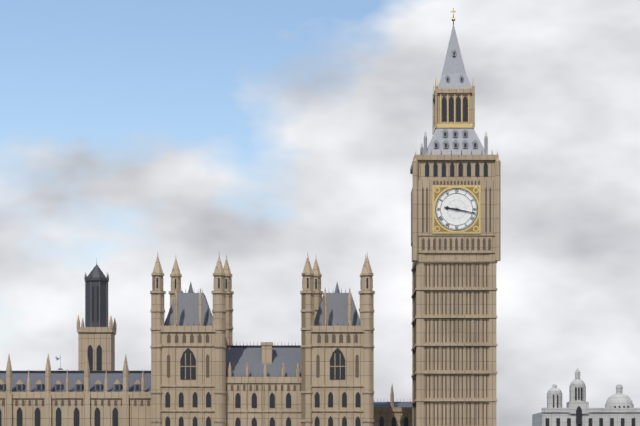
9:17
